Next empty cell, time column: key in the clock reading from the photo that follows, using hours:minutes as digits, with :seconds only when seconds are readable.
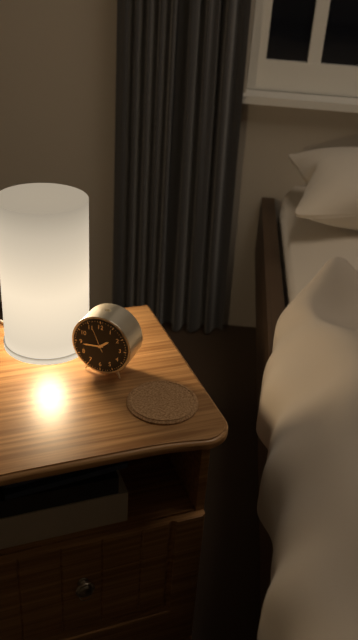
1:44
